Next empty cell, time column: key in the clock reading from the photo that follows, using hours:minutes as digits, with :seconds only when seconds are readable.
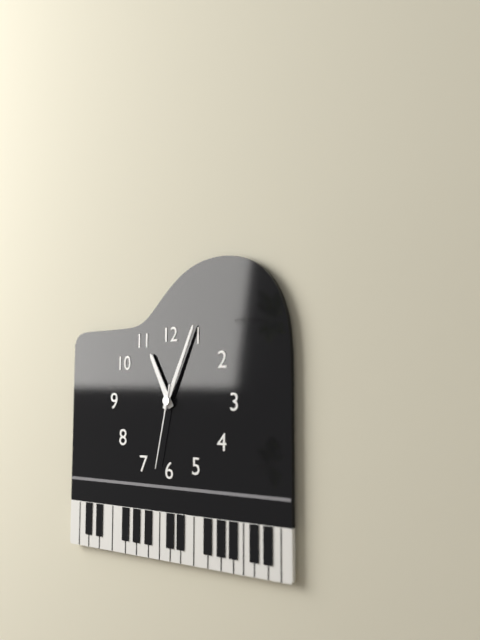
11:04:32
